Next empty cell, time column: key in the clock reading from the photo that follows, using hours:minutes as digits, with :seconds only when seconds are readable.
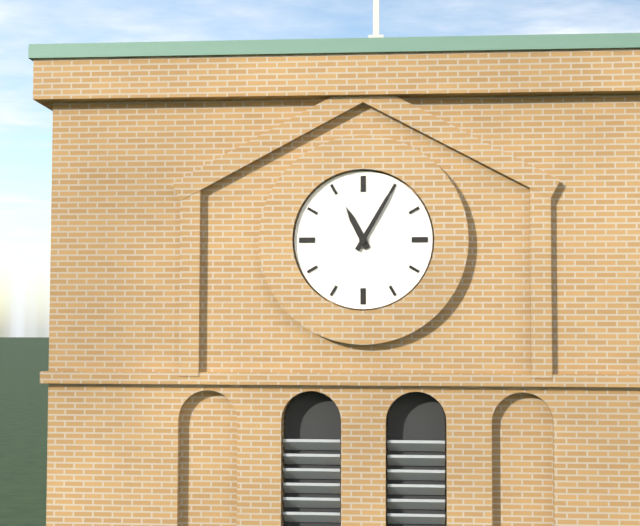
11:05
